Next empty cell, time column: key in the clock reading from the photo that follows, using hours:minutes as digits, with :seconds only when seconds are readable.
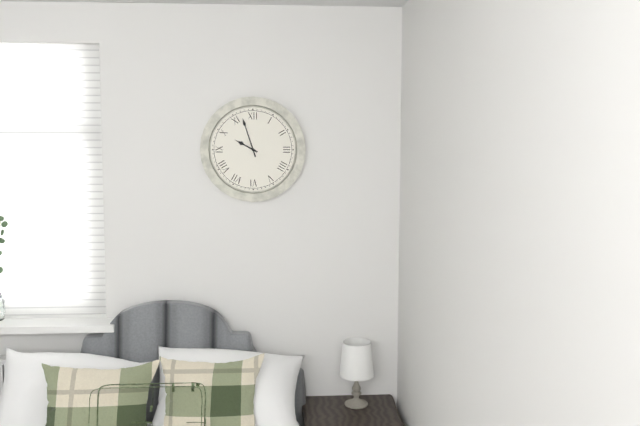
9:57
